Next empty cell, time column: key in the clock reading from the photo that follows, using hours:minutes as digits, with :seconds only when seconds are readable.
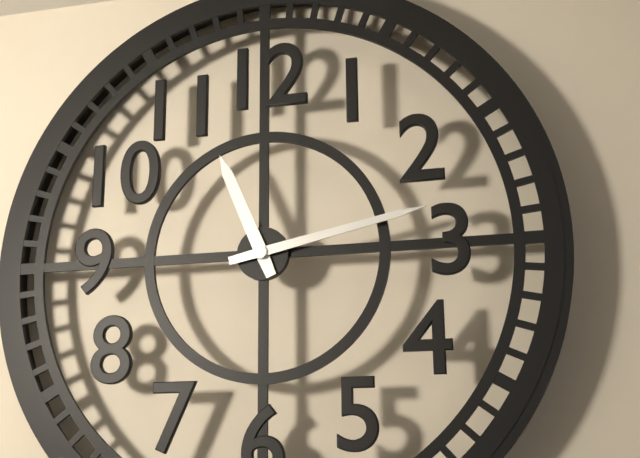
11:13
